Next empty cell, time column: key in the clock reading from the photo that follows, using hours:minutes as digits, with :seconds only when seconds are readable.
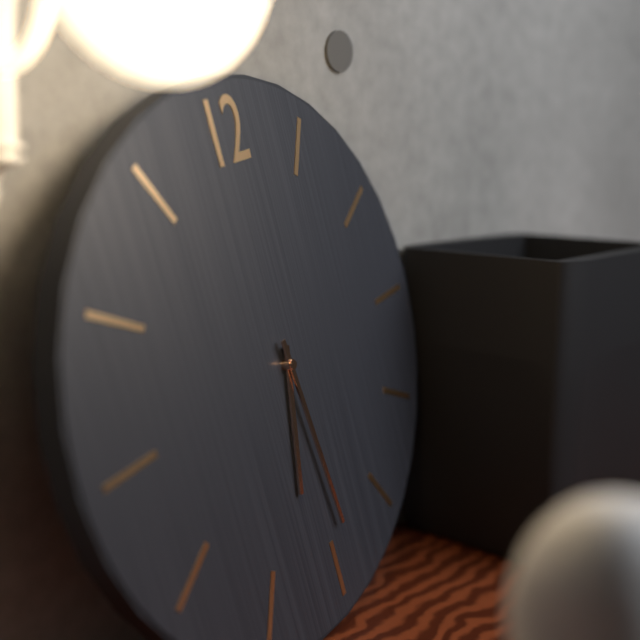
6:29
